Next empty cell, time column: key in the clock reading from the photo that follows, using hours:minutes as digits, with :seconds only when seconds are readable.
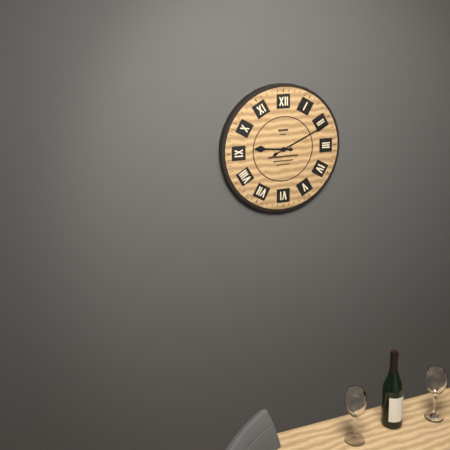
9:11
